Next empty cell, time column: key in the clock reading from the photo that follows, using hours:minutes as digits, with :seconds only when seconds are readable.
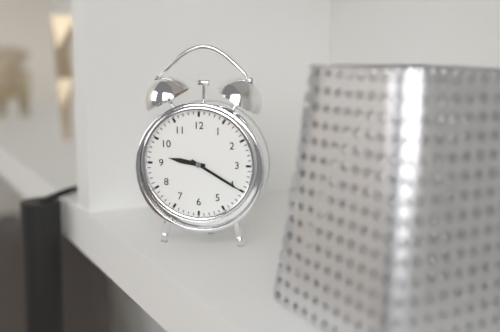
9:20
